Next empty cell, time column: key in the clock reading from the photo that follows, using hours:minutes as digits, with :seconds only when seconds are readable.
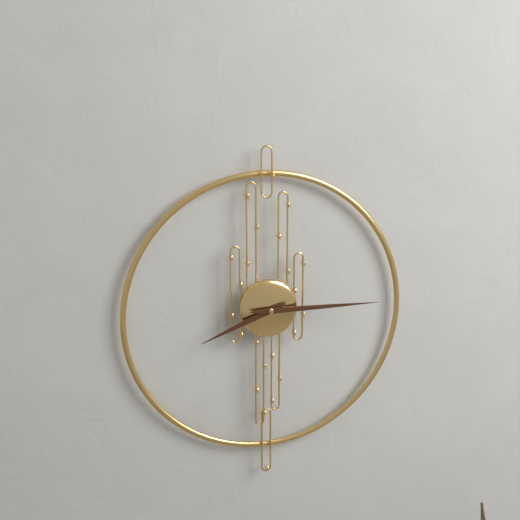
8:15
